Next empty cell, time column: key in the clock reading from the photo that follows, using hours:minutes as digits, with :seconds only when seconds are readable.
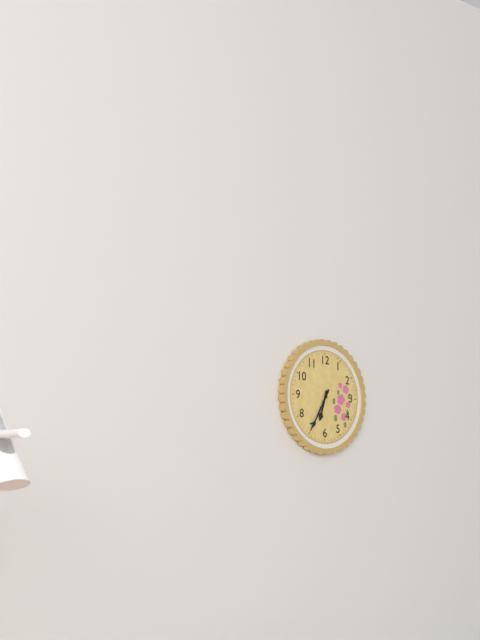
6:35
